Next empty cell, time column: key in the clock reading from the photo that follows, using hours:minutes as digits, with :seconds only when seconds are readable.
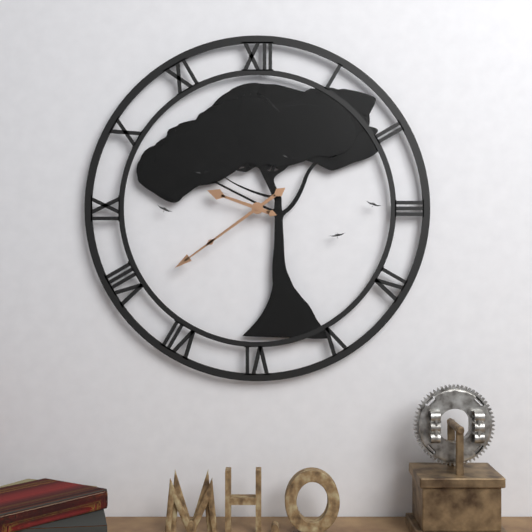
9:39
